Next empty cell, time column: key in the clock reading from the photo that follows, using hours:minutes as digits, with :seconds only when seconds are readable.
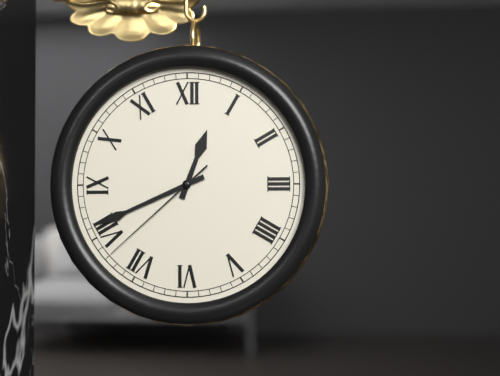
12:41:38
